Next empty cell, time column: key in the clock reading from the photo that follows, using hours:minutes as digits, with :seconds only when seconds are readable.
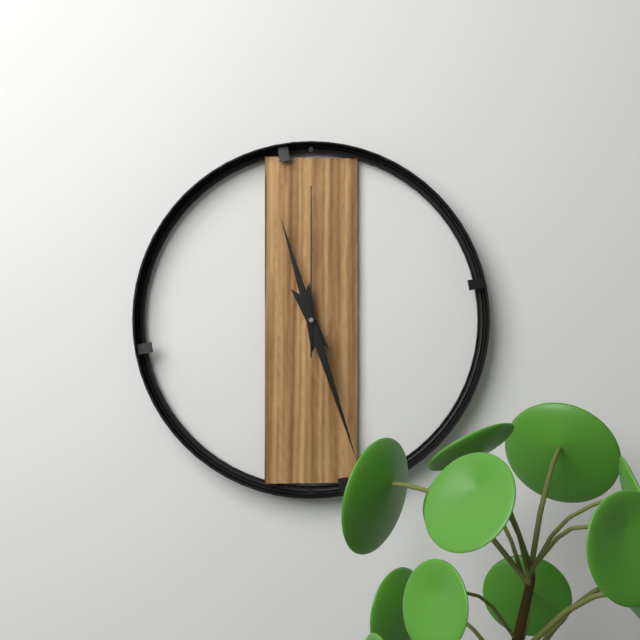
11:27:00
